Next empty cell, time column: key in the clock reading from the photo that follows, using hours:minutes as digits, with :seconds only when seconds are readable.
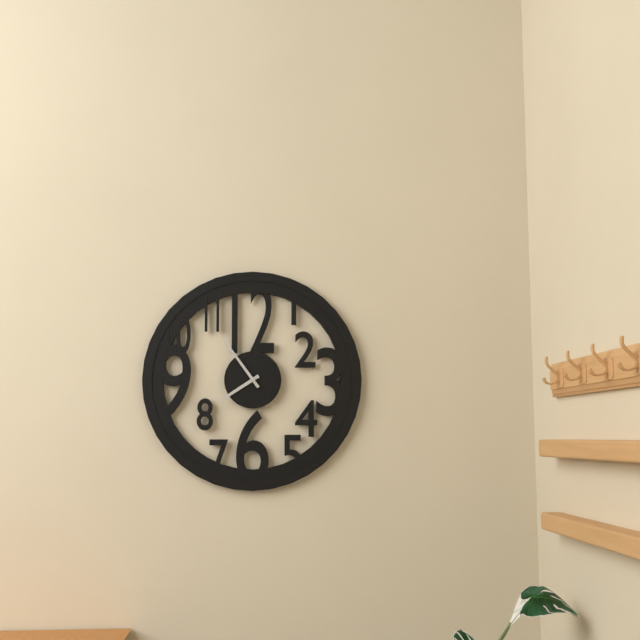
7:54
